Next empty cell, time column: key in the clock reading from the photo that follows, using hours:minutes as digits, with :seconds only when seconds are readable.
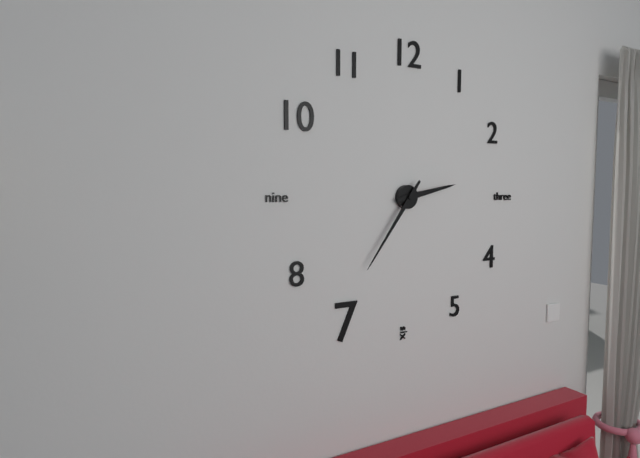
2:36
